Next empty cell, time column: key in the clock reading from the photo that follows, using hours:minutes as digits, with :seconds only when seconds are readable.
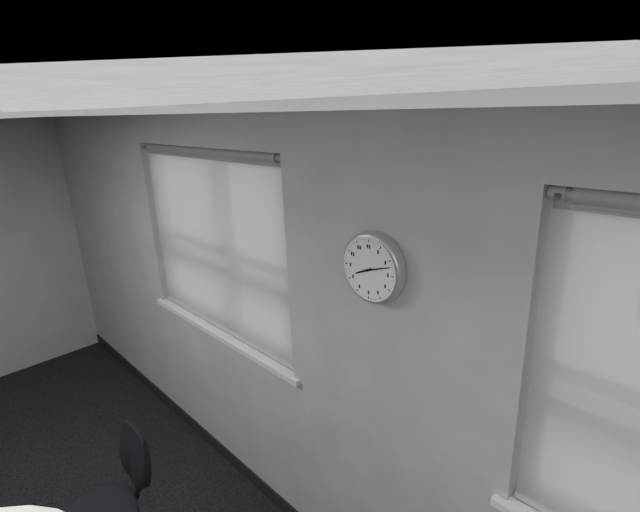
8:12
